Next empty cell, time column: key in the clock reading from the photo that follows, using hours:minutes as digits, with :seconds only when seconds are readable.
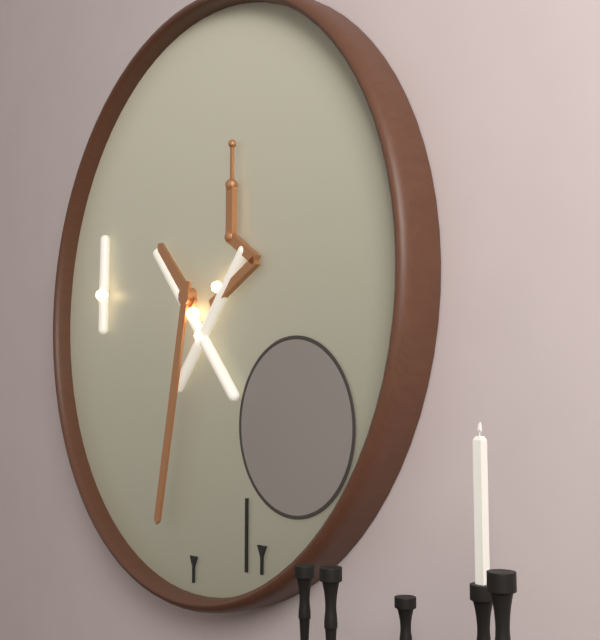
10:32
